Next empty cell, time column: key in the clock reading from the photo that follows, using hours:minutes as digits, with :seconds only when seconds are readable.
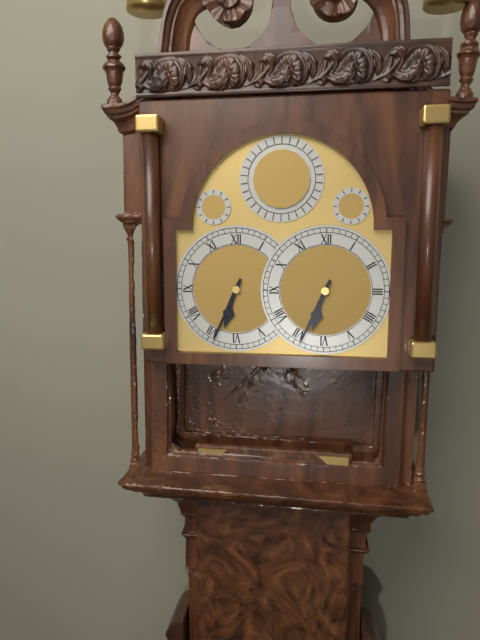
6:34
